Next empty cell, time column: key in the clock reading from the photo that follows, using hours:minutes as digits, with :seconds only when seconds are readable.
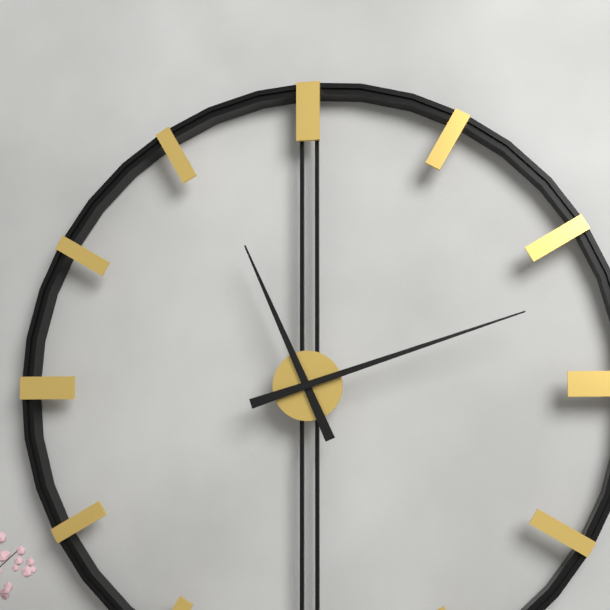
11:12
